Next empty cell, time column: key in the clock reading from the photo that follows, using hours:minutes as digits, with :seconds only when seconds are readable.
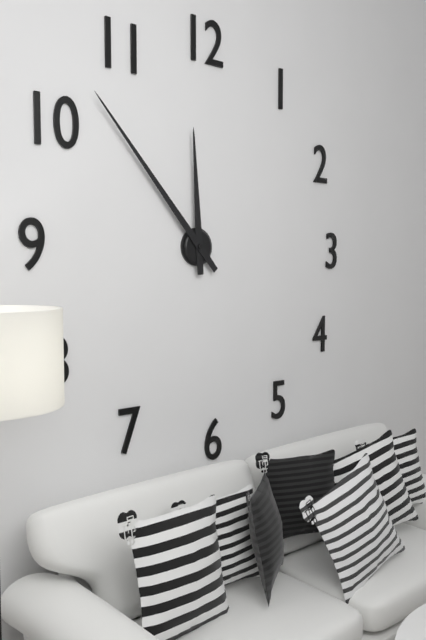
11:53
